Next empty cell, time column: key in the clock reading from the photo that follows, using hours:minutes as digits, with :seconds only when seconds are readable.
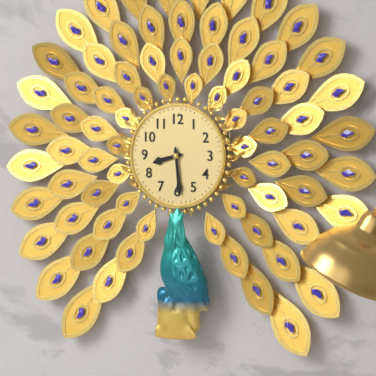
8:29
